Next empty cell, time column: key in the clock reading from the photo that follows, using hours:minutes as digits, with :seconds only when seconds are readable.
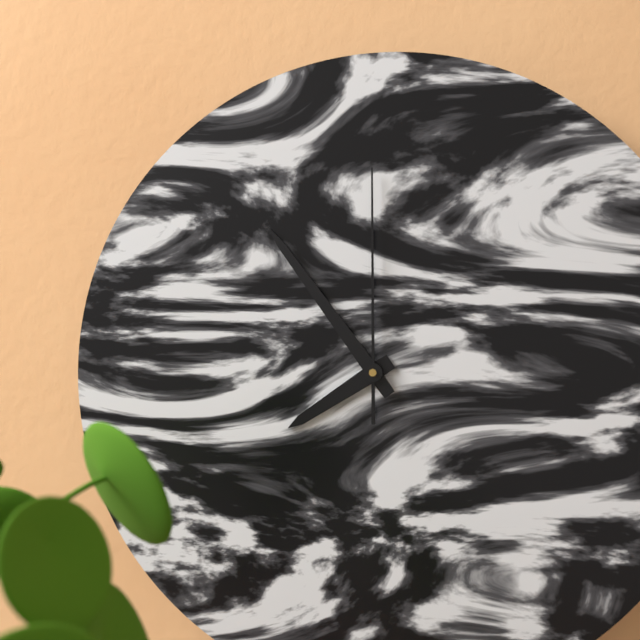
7:54:00
